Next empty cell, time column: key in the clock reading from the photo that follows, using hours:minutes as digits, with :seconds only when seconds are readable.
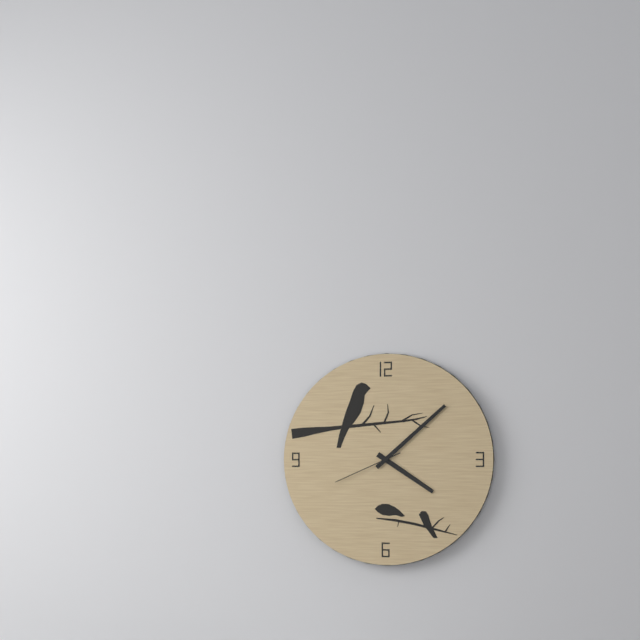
4:08:41
